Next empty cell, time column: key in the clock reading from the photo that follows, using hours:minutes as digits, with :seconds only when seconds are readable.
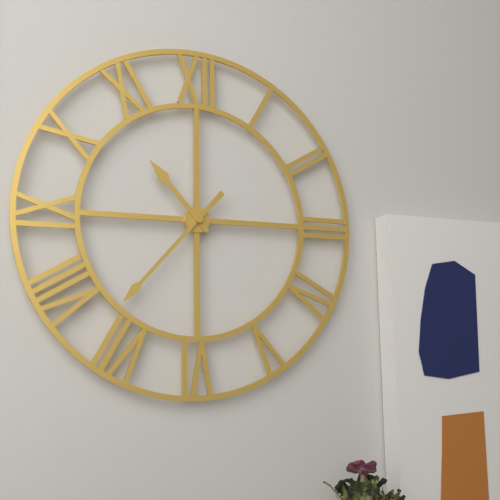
10:37
